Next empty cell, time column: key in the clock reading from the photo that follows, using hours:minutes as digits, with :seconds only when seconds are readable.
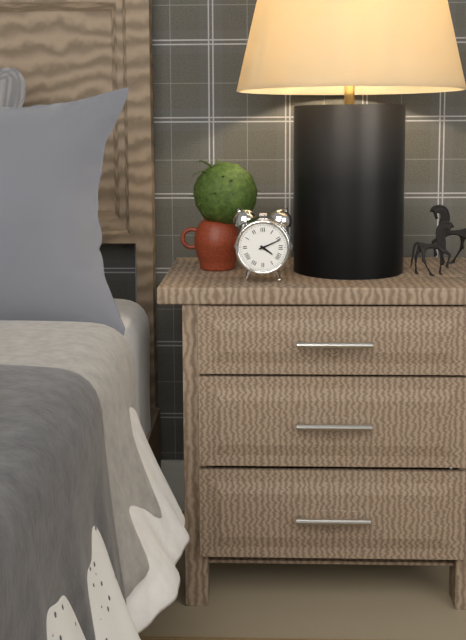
4:11
